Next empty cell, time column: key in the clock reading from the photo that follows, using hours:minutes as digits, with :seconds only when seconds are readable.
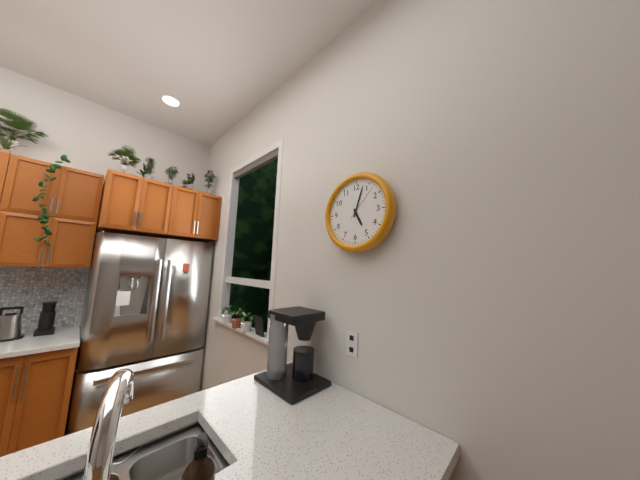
5:03
